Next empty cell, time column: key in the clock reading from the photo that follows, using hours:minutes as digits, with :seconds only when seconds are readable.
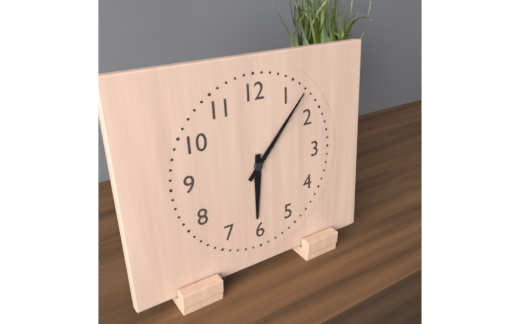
6:07
